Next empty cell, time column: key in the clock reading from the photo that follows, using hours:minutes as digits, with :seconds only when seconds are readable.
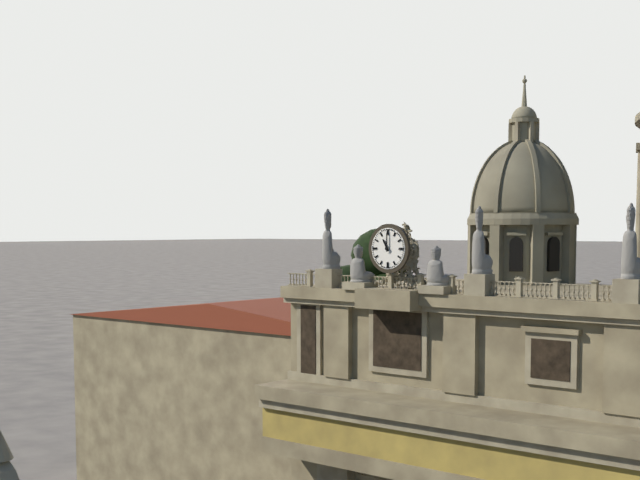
11:00
